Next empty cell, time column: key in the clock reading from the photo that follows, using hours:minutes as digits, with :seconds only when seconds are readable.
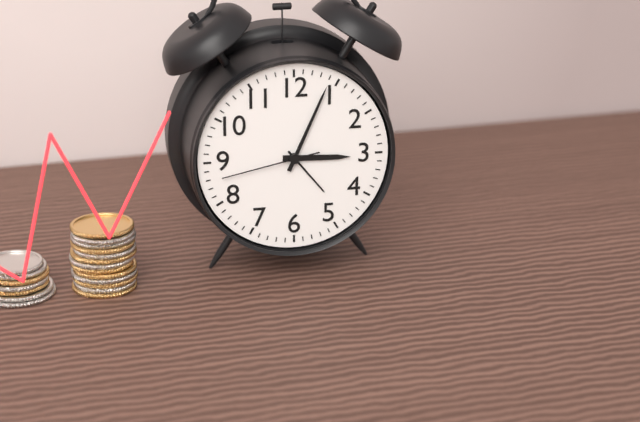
3:04:43
